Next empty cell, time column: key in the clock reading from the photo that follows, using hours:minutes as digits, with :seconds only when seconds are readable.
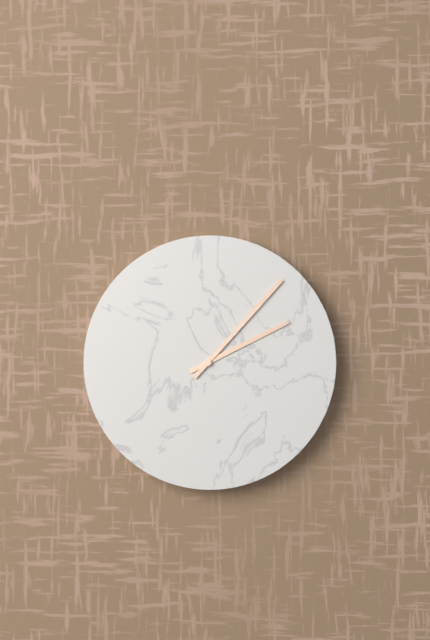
2:07
